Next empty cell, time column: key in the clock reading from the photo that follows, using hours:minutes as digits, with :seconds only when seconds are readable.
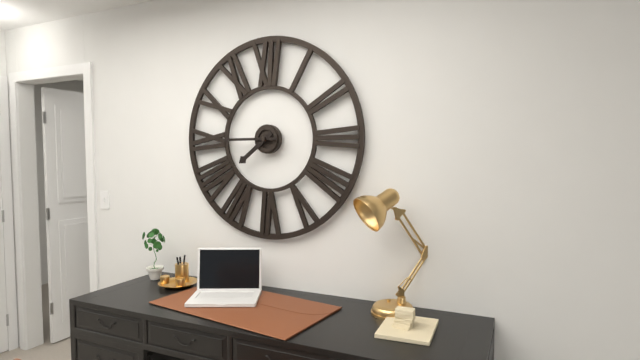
7:45
